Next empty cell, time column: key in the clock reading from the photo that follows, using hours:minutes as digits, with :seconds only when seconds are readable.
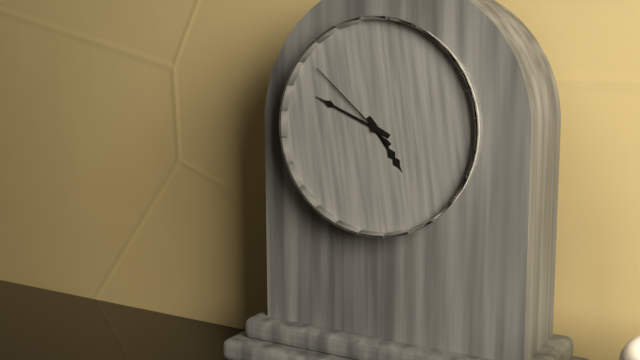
4:49:52
